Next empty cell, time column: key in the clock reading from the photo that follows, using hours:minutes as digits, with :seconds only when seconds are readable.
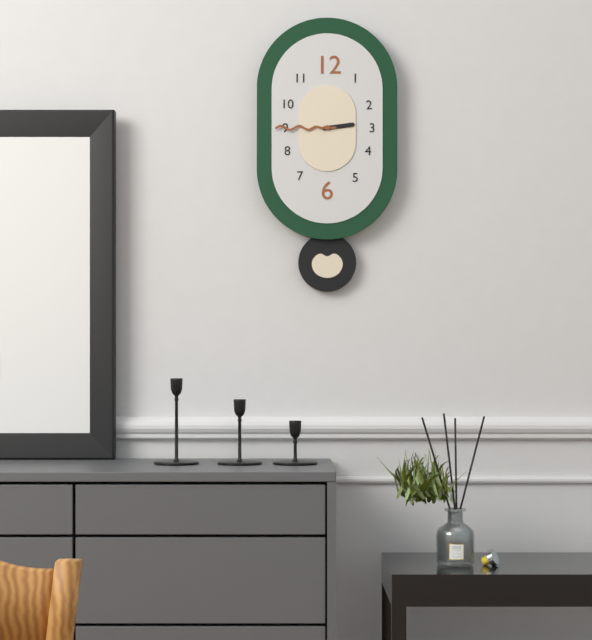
2:45
